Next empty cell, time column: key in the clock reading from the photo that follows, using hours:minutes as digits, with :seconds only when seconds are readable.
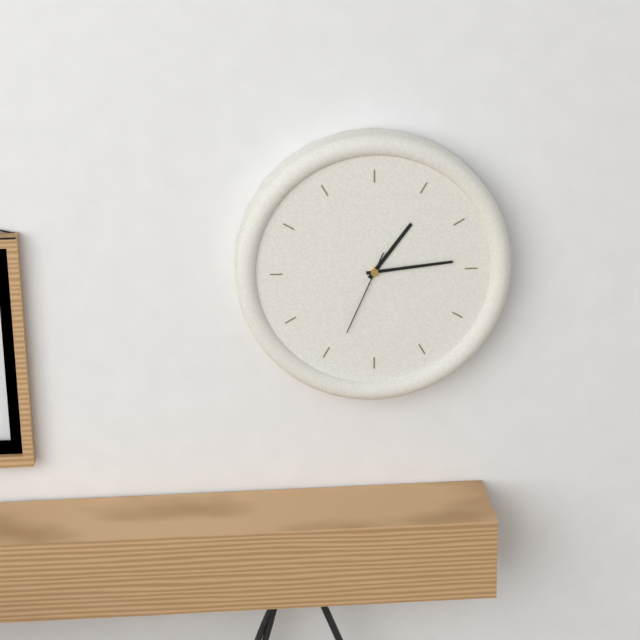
1:14:34
